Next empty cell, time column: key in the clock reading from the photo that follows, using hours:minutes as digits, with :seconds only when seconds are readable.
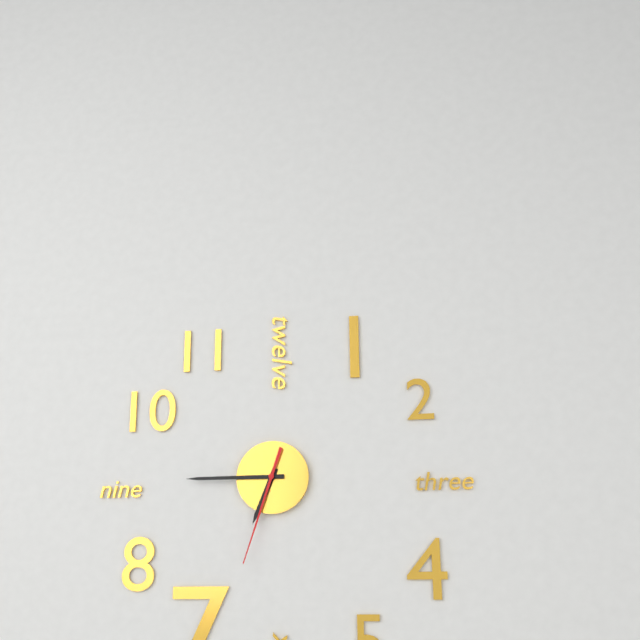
6:45:33
